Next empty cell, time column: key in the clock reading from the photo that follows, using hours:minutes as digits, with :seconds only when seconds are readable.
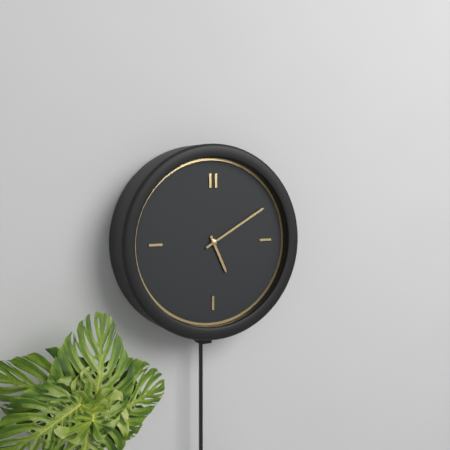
5:10
